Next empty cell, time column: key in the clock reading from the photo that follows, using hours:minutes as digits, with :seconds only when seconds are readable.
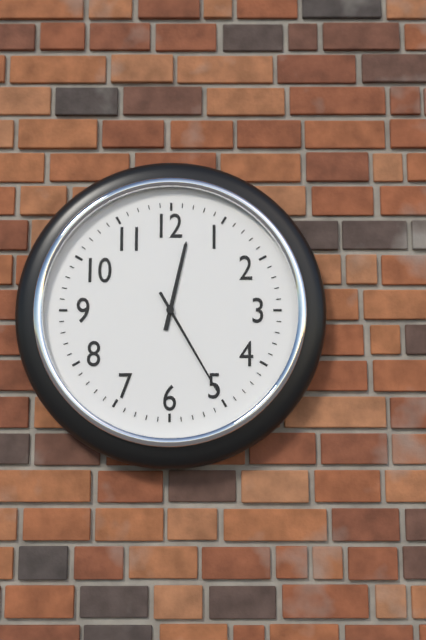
12:25
